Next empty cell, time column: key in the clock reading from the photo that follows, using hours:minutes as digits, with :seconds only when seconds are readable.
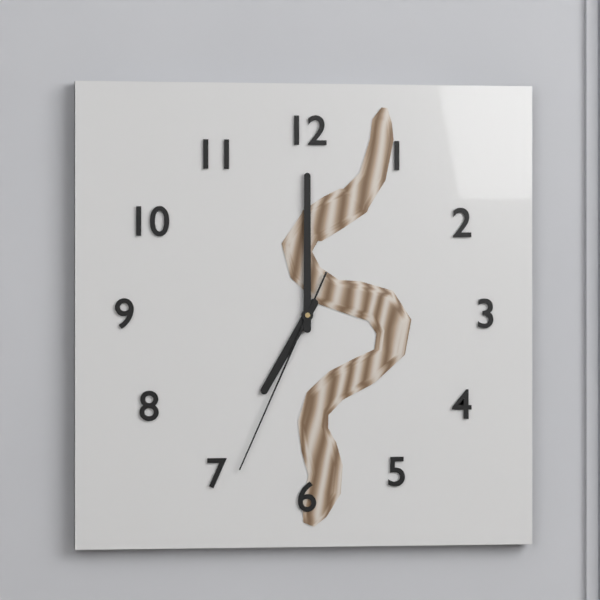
7:00:34
